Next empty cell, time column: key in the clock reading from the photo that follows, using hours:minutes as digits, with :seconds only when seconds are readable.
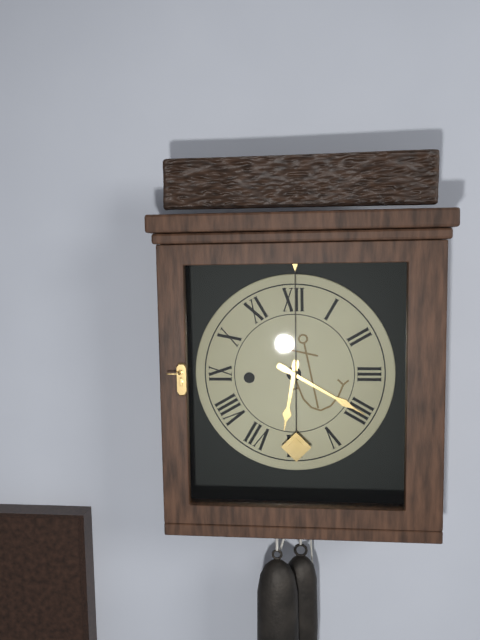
6:20
